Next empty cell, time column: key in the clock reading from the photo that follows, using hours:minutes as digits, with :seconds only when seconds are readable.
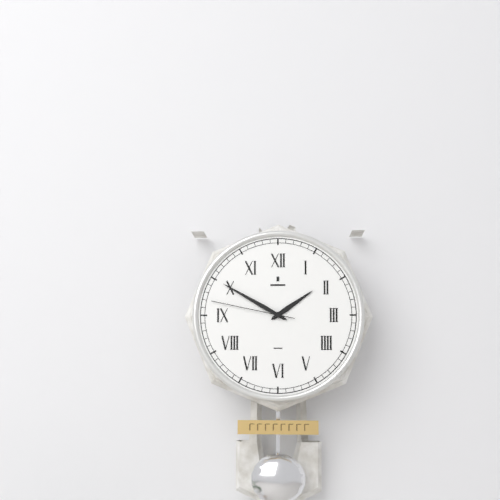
1:50:47
